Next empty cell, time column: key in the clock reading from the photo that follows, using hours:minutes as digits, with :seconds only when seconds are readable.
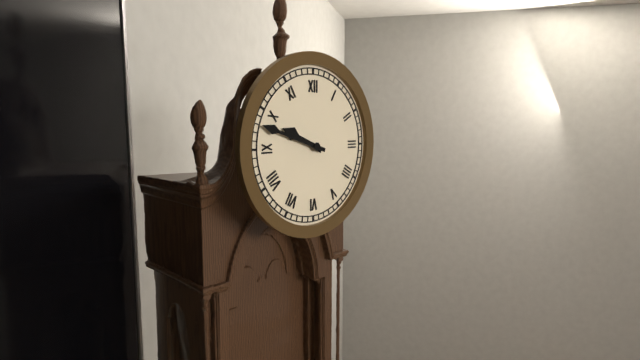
9:48
